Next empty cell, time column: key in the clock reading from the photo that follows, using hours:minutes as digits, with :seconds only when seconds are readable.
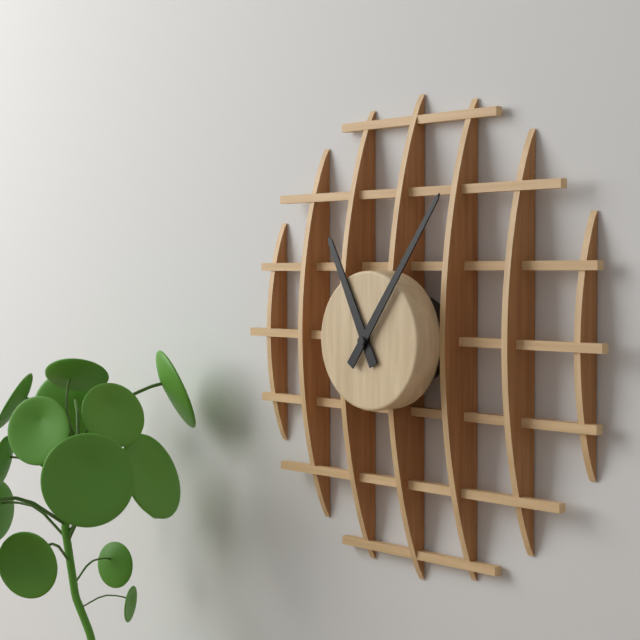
11:06
